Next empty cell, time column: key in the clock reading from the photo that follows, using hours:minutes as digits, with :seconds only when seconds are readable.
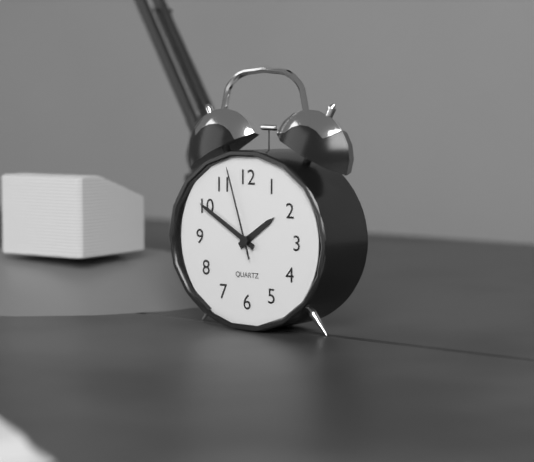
1:50:57
